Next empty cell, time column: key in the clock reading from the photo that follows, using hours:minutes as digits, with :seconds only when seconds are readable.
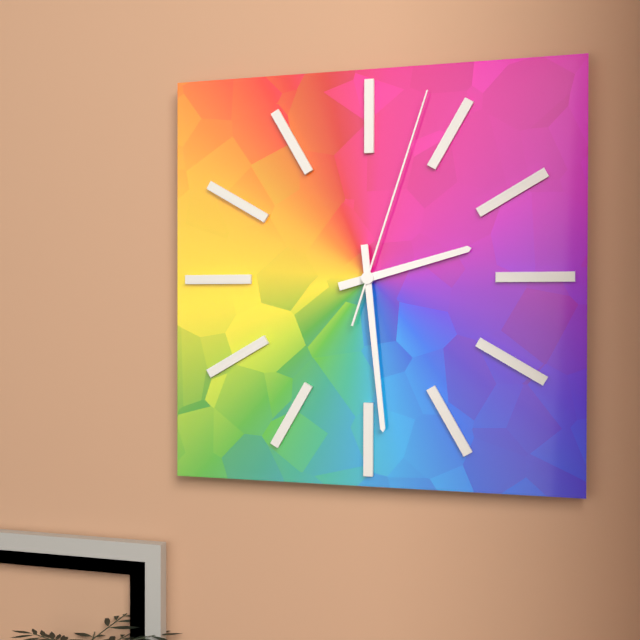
2:29:03
